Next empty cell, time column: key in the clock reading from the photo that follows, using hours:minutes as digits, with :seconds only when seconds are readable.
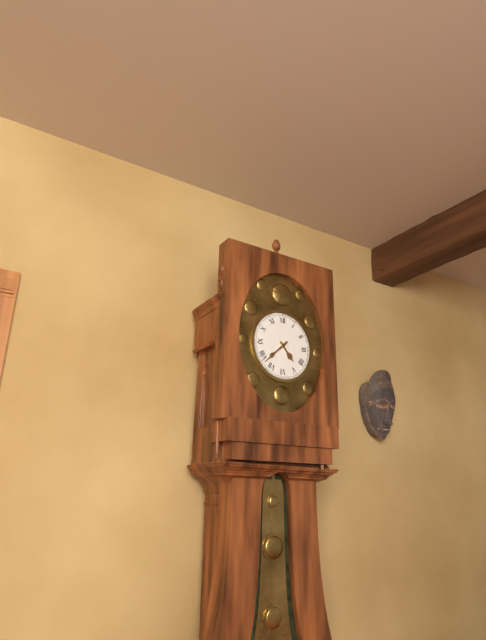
4:38
